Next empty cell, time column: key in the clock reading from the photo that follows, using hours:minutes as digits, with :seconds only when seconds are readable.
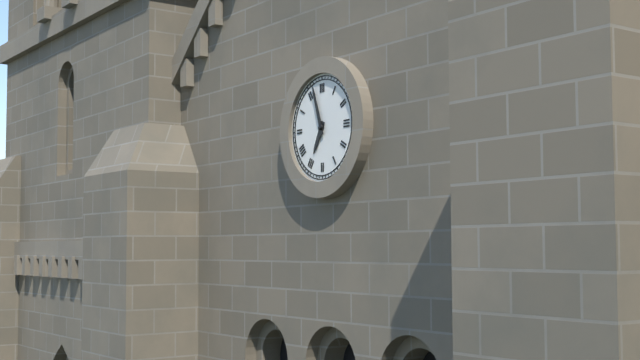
6:57
